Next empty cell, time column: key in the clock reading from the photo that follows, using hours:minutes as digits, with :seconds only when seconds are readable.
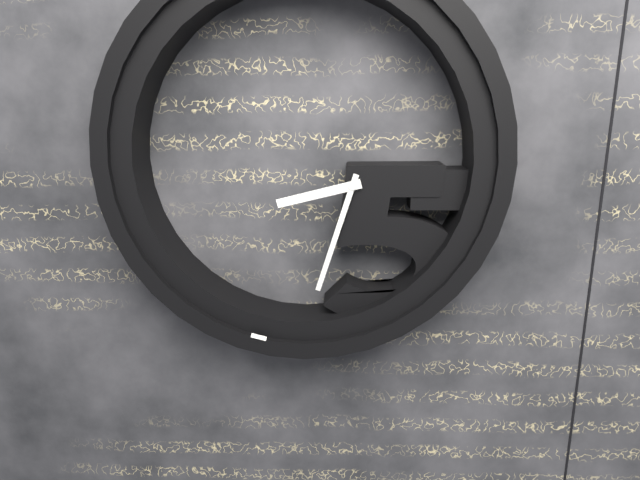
8:33
